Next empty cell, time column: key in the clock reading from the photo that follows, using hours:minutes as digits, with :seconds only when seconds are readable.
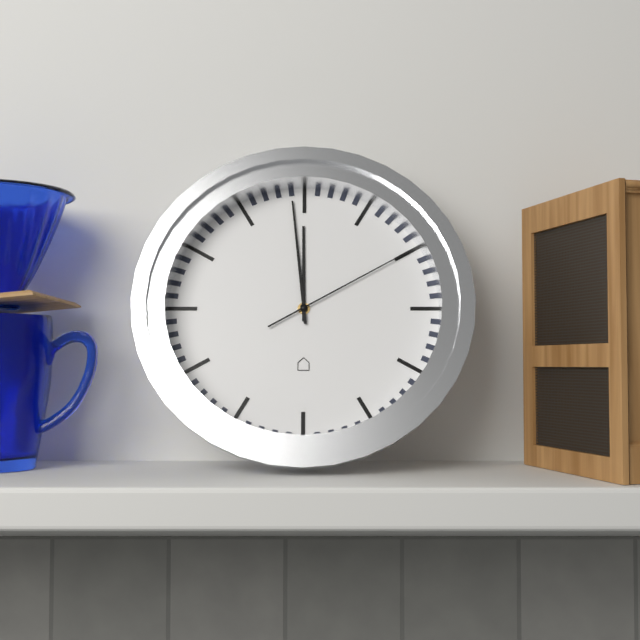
11:59:10
